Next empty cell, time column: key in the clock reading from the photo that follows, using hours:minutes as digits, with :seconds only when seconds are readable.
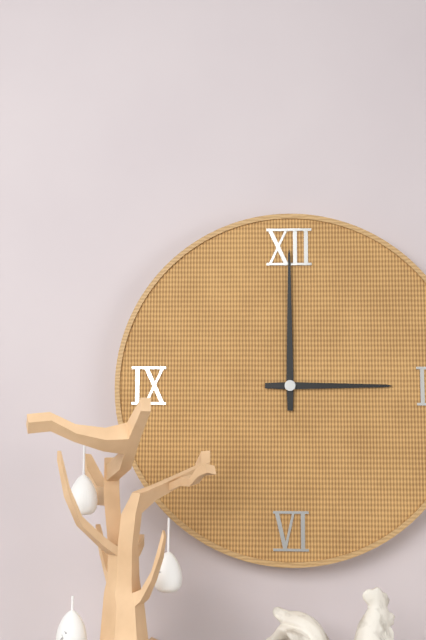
3:00
